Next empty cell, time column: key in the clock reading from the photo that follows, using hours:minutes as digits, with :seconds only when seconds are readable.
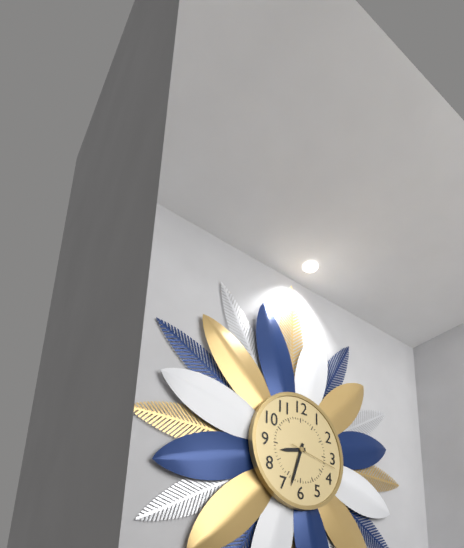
8:33:17
